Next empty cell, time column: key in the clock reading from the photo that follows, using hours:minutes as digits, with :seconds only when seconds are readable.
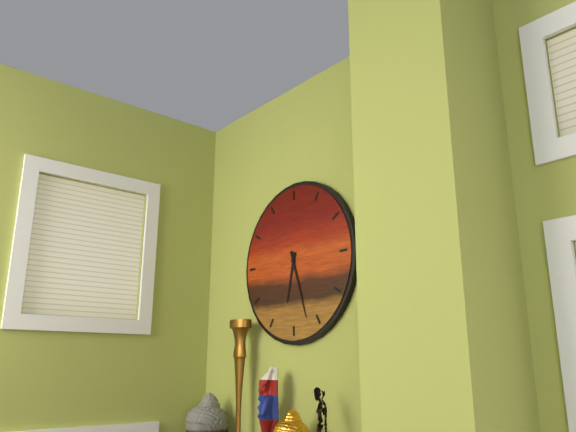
6:27
